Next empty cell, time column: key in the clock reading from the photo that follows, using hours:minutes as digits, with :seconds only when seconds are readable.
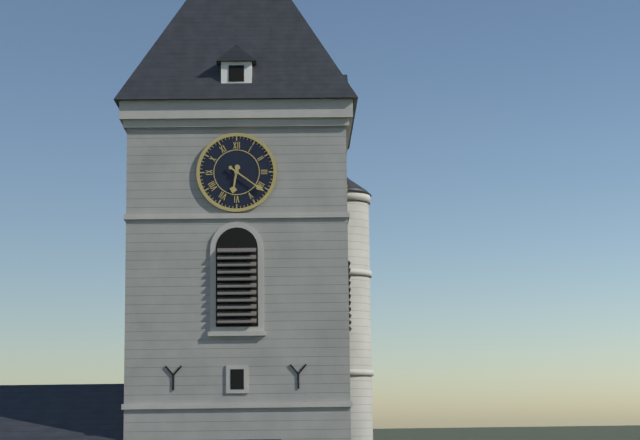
6:21
